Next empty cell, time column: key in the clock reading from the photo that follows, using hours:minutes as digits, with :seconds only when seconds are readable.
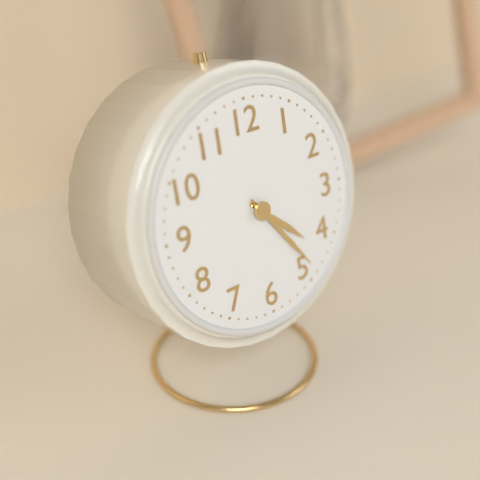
4:24
